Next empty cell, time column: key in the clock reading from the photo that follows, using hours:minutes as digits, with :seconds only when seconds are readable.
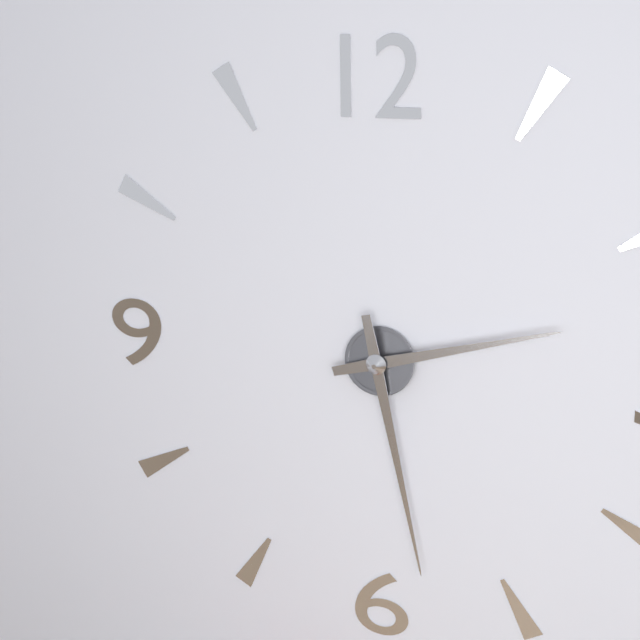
2:28
